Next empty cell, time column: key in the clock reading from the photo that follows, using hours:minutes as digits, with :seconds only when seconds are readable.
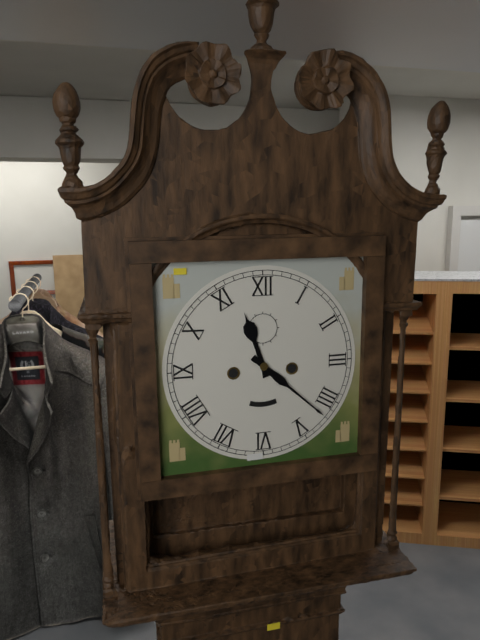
11:22
